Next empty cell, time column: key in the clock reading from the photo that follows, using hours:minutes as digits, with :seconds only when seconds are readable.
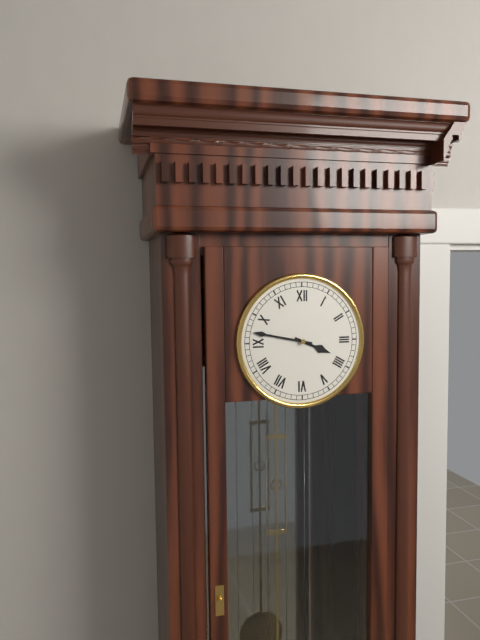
3:47
